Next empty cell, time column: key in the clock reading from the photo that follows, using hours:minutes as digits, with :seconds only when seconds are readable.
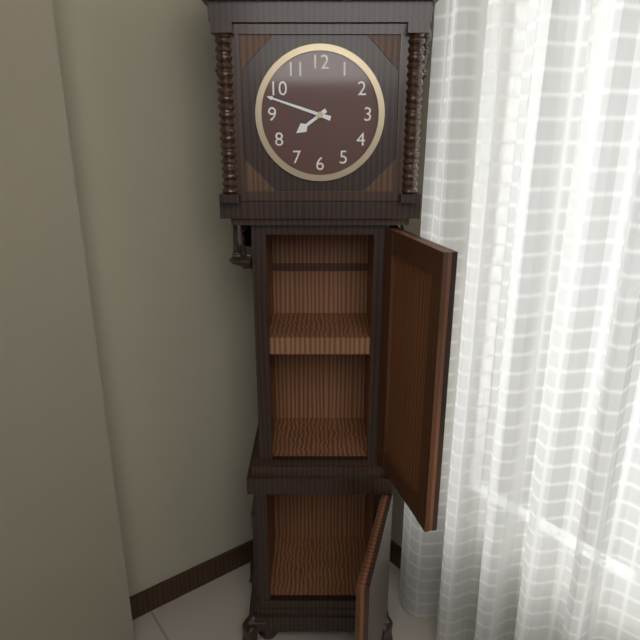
7:48
